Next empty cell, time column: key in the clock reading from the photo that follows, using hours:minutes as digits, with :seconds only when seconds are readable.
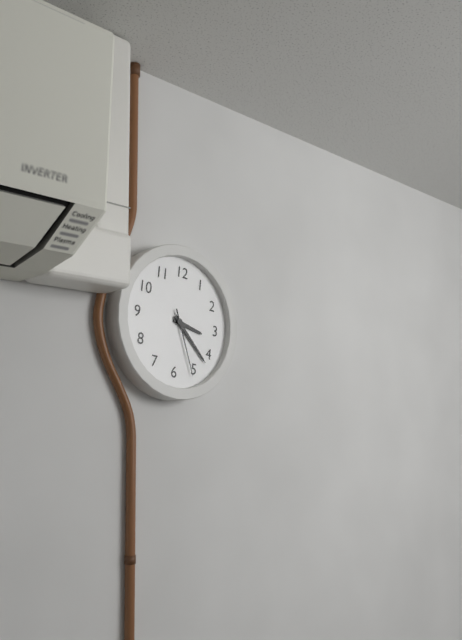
3:22:26
